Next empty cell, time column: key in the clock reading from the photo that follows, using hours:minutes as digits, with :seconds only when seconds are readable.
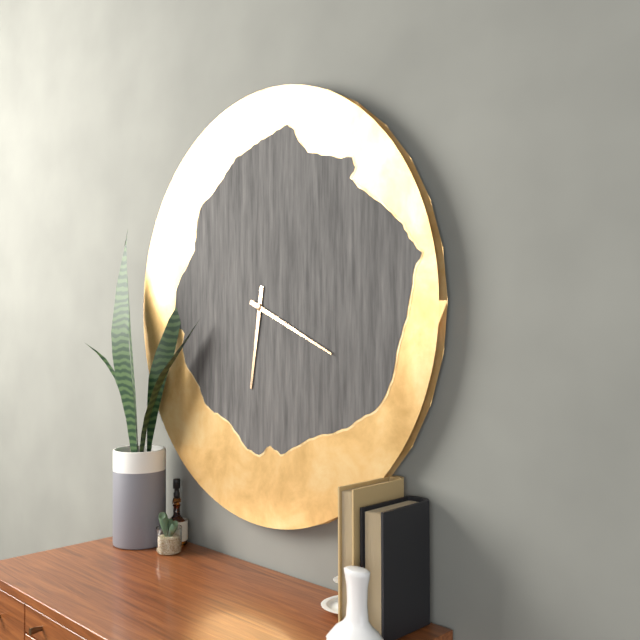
6:19
